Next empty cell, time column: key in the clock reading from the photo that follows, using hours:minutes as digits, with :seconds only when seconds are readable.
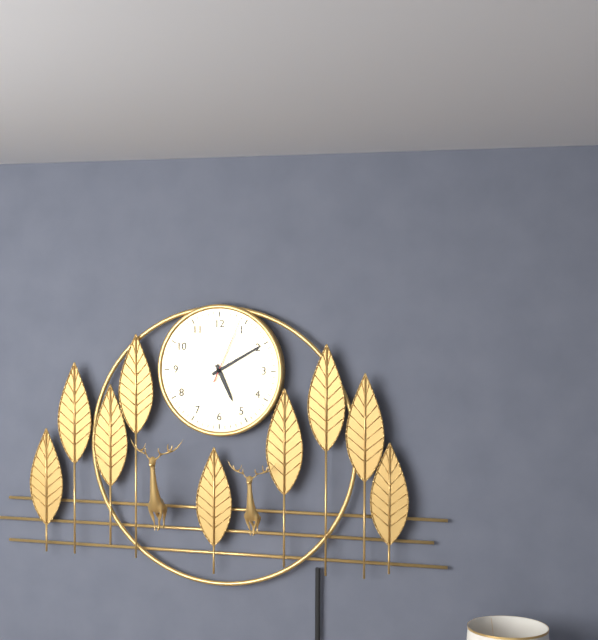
5:10:04
